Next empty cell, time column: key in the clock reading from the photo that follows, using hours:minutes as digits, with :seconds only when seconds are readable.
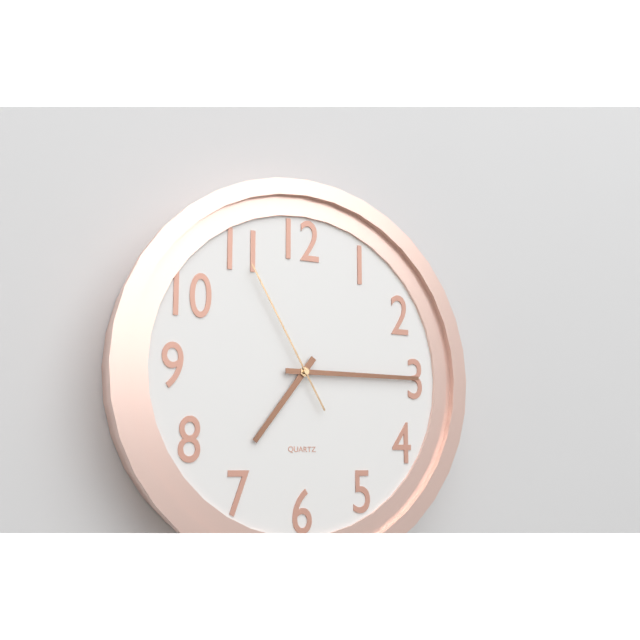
7:15:55
